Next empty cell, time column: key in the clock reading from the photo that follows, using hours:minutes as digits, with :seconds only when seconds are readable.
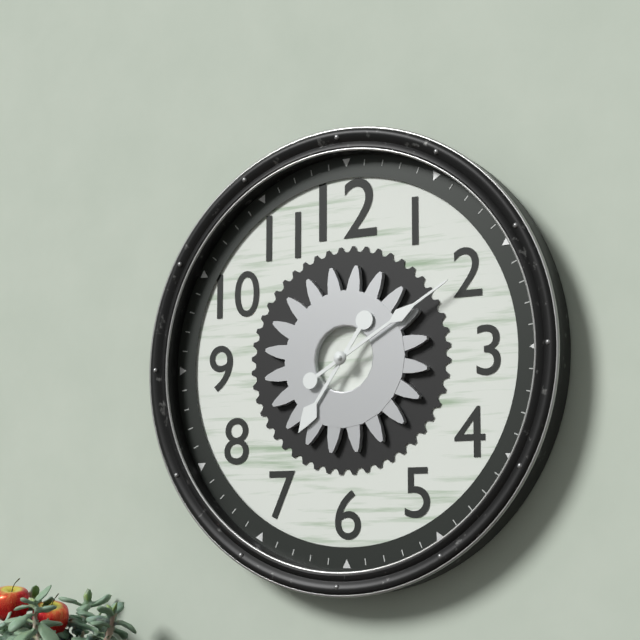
7:10
